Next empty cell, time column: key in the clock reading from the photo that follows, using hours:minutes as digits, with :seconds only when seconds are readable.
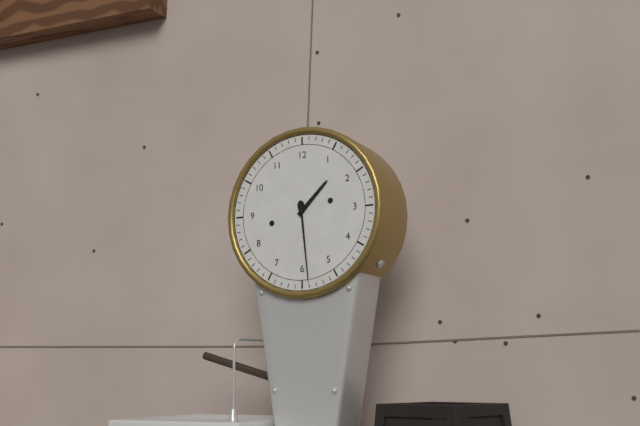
1:29
